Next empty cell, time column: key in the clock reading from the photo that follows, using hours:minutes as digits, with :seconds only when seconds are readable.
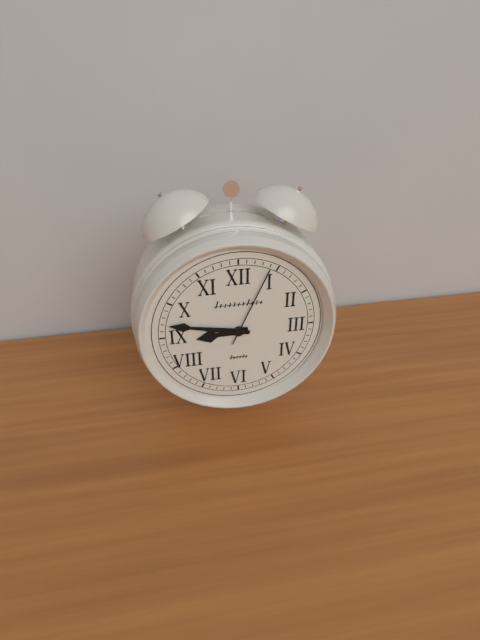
8:47:04
